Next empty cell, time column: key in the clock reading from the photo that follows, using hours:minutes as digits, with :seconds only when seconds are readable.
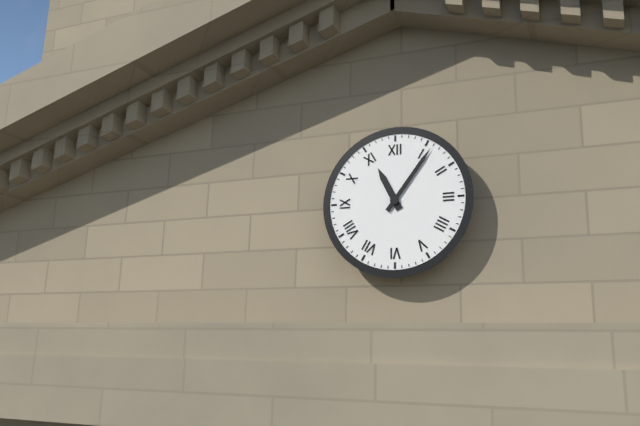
11:06
